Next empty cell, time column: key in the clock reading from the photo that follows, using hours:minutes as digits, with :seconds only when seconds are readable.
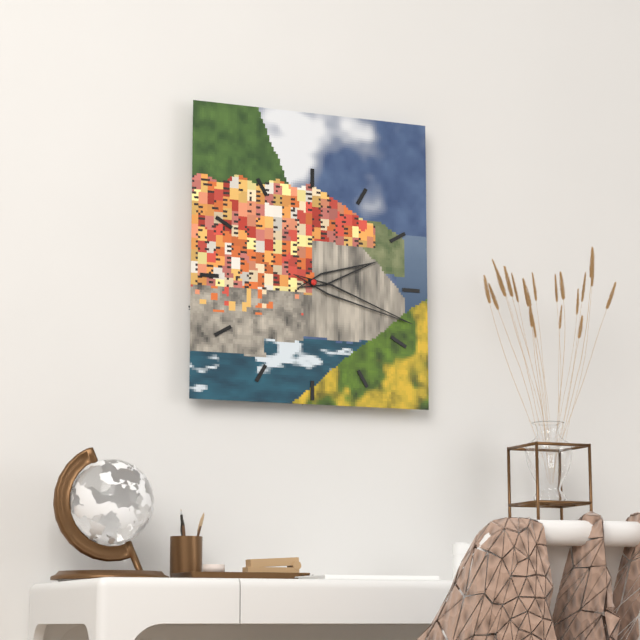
2:18
